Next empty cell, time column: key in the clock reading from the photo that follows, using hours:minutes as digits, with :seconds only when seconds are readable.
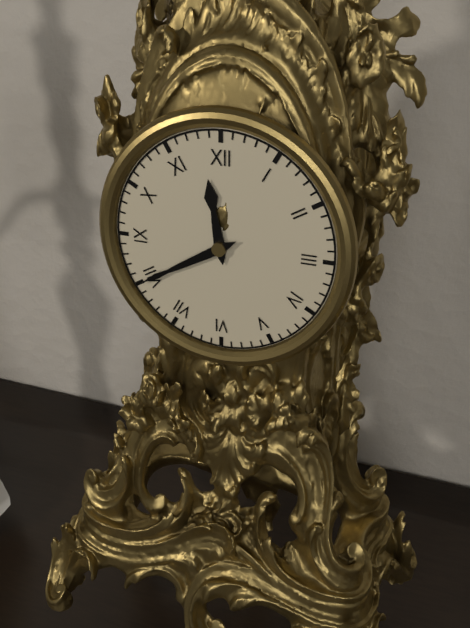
11:40
